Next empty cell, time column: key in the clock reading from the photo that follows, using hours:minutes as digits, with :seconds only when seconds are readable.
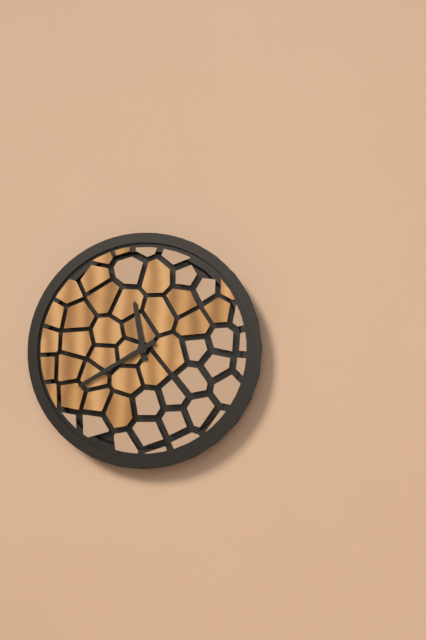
11:40
